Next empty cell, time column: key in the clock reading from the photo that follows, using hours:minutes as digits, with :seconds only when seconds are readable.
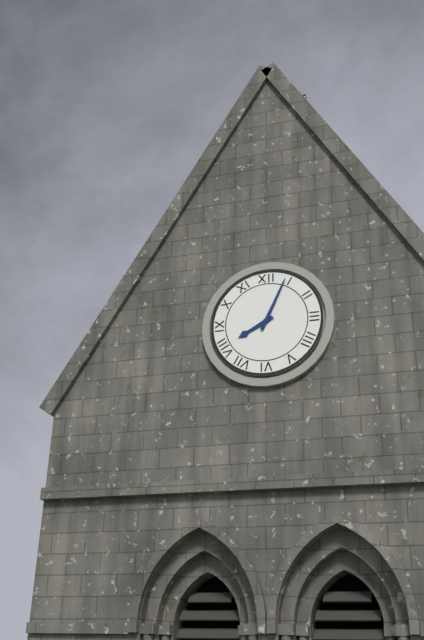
8:04
